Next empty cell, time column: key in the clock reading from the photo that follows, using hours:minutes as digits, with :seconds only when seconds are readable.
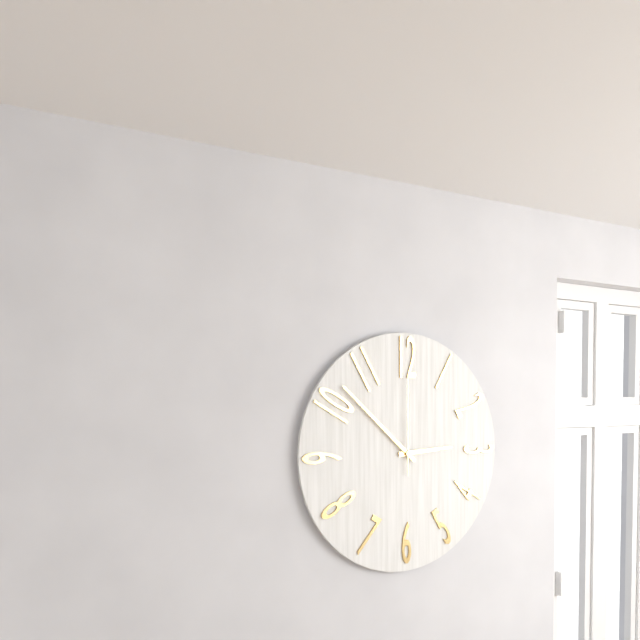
2:52:00
